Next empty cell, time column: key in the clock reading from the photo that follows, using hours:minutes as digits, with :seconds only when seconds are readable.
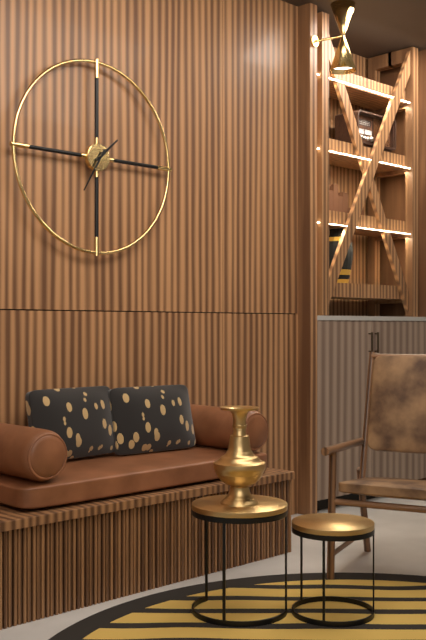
1:35
